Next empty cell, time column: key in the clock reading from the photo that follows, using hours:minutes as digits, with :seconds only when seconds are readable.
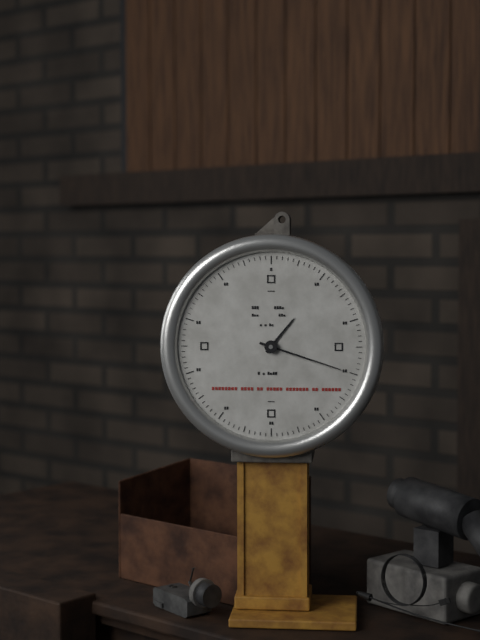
1:18
